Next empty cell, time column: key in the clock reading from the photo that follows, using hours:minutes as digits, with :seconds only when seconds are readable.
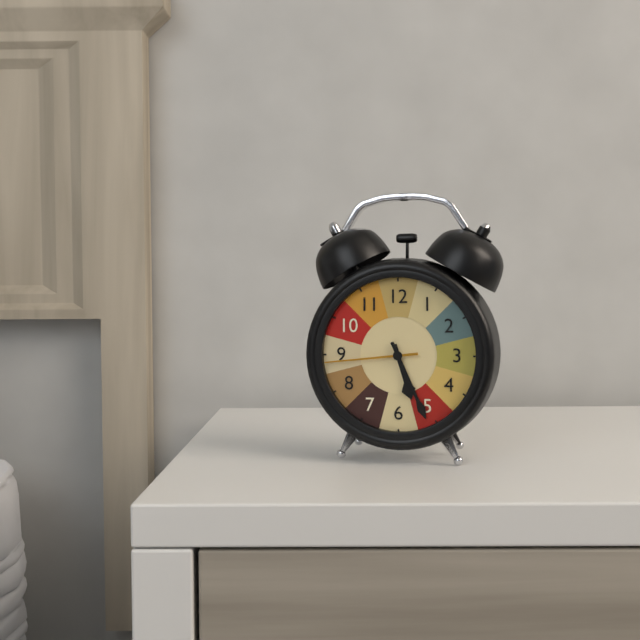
5:26:44
